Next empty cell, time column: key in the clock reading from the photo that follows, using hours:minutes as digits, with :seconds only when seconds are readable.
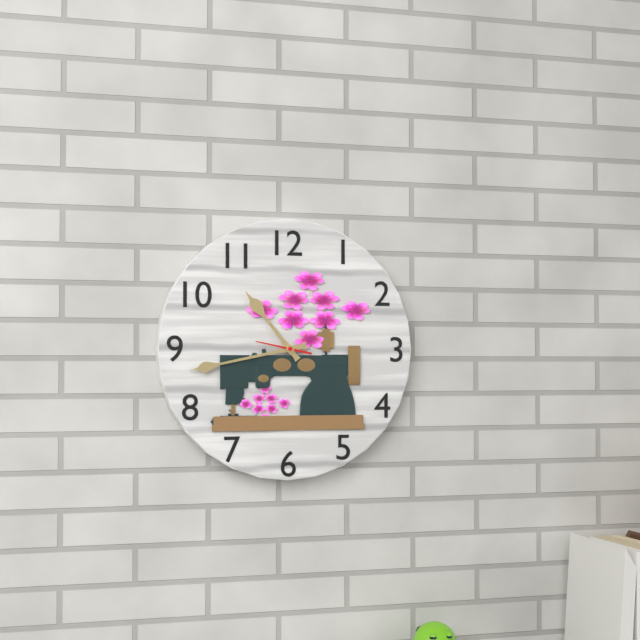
10:43
